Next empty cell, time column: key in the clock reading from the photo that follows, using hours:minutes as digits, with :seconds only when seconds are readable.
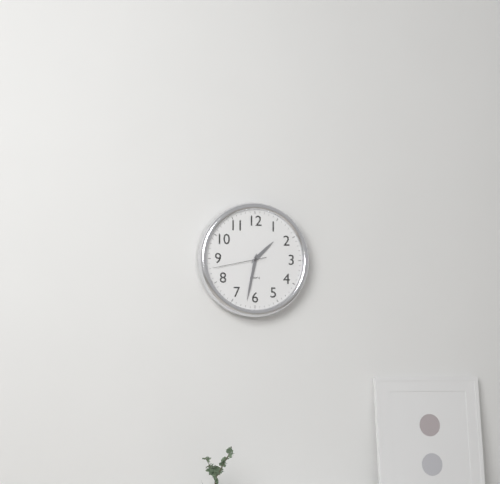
1:32:43
